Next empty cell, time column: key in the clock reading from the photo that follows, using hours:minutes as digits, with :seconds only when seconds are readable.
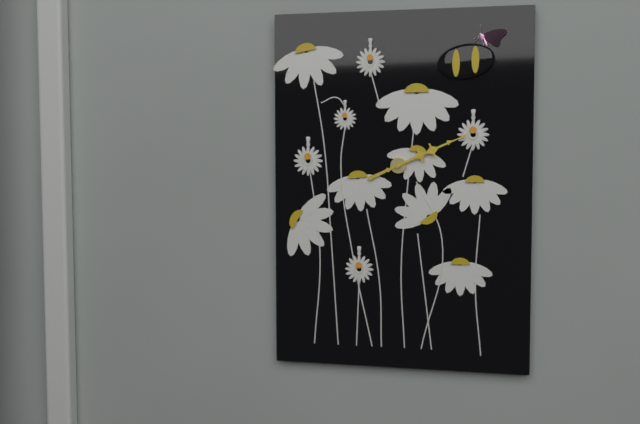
2:11
